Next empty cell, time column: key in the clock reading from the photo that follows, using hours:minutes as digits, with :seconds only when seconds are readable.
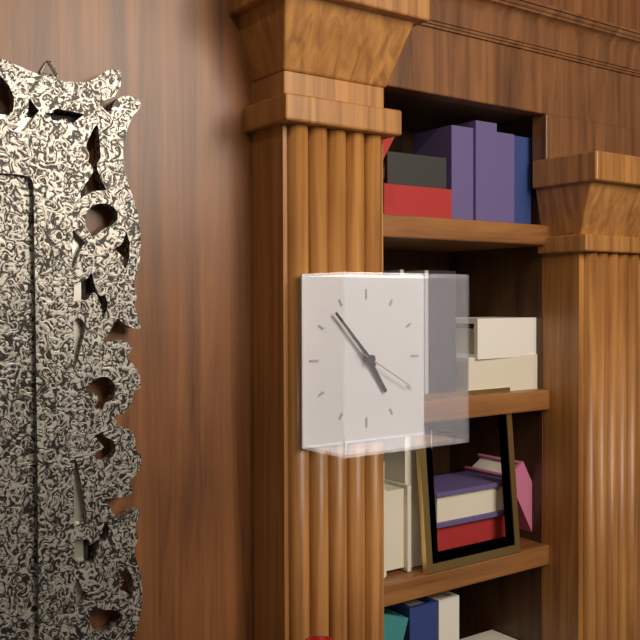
4:53:20
